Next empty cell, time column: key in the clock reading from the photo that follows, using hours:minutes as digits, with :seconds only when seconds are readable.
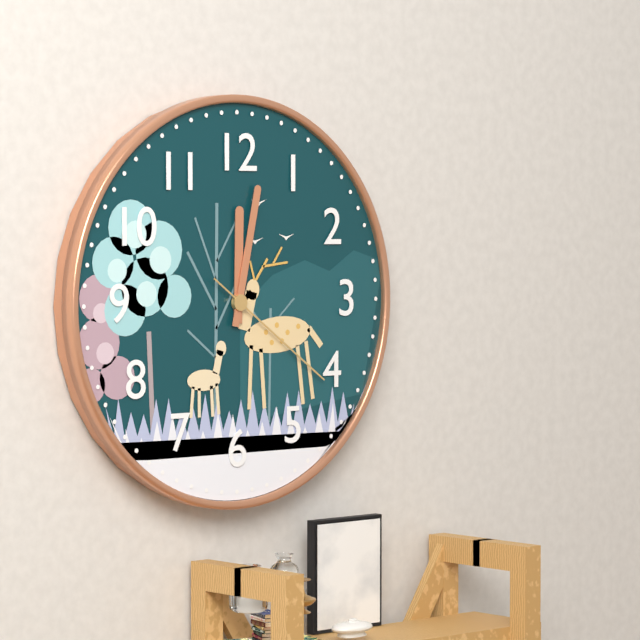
12:02:21
